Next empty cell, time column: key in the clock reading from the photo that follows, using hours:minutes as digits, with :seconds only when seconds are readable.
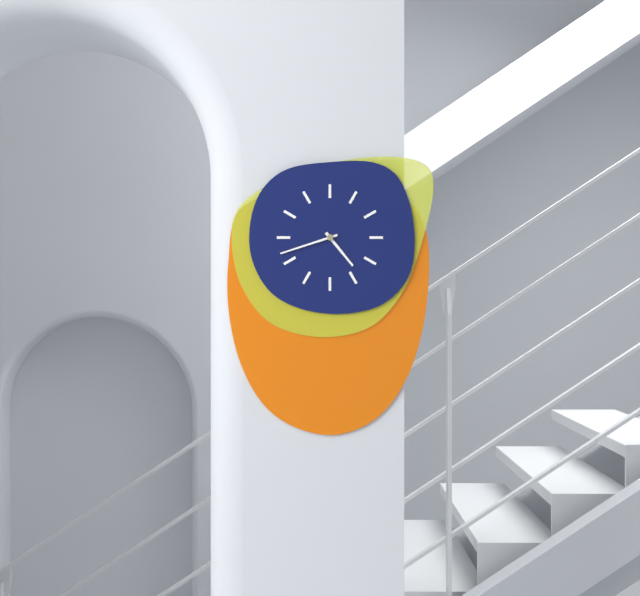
4:42
